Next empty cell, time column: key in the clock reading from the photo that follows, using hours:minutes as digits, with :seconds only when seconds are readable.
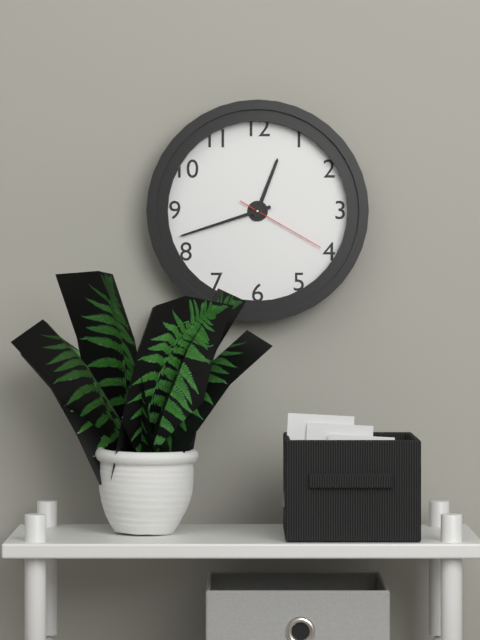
12:42:20
